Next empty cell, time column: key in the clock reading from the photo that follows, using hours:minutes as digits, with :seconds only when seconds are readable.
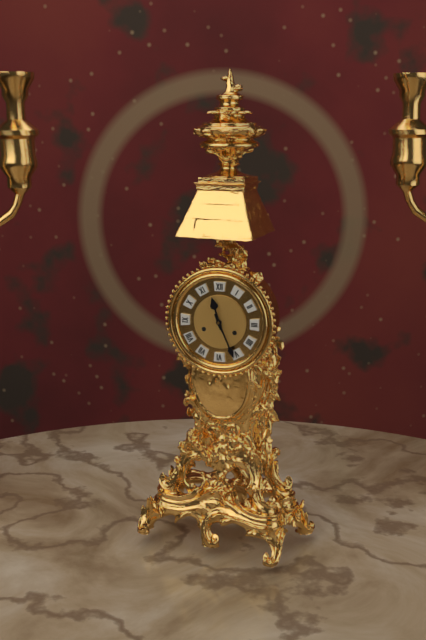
11:26
